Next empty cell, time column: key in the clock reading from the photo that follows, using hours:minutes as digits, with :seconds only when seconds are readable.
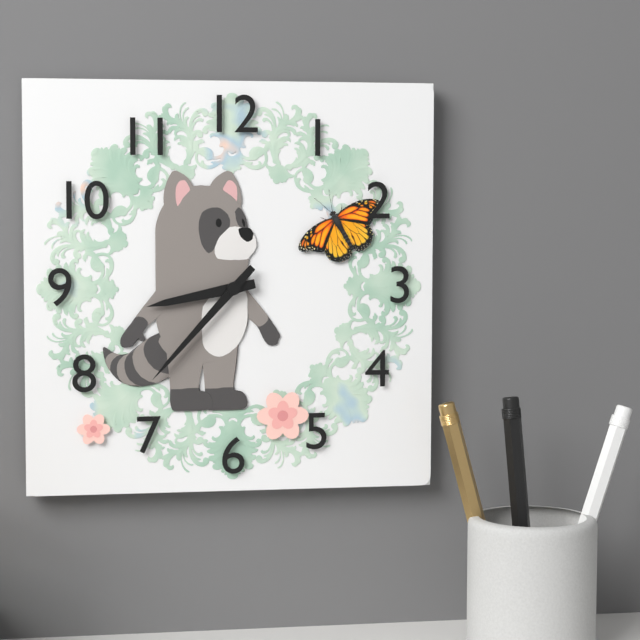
8:37
